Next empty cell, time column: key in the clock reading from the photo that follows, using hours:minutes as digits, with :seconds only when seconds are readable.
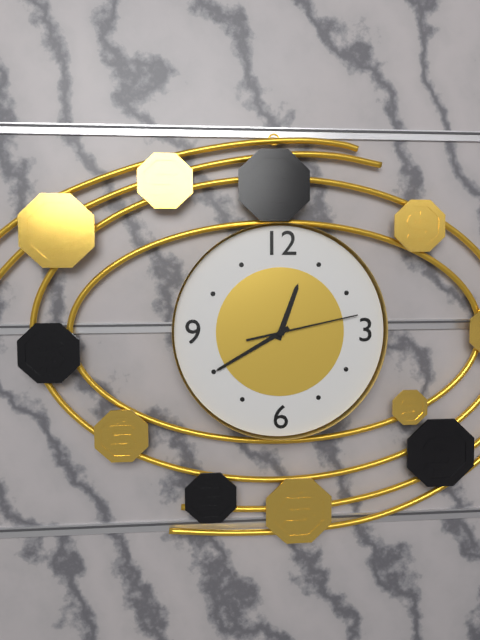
12:40:13
